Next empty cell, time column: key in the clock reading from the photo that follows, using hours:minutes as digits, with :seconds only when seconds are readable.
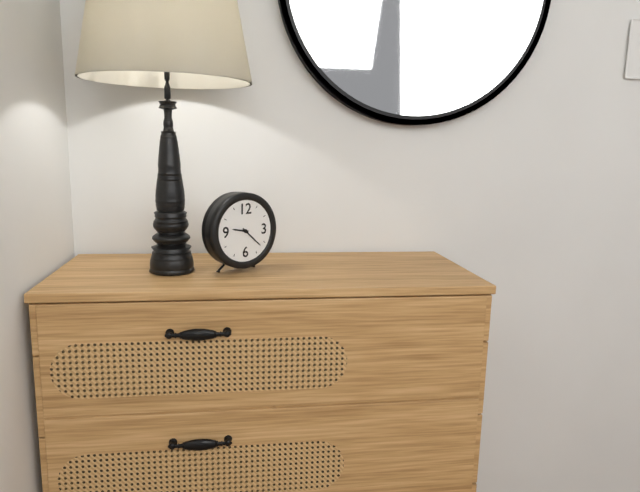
9:22
